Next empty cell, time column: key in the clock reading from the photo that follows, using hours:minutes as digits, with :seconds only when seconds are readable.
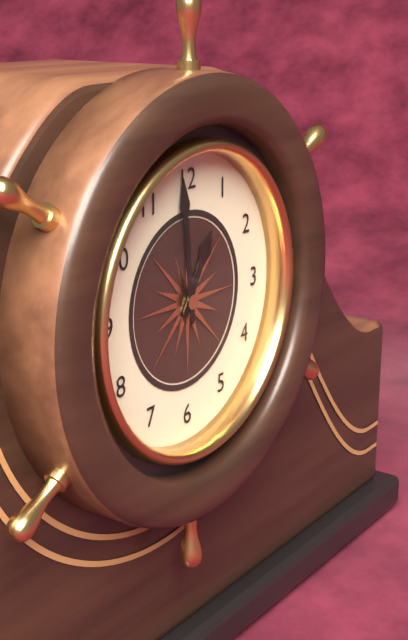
12:59
